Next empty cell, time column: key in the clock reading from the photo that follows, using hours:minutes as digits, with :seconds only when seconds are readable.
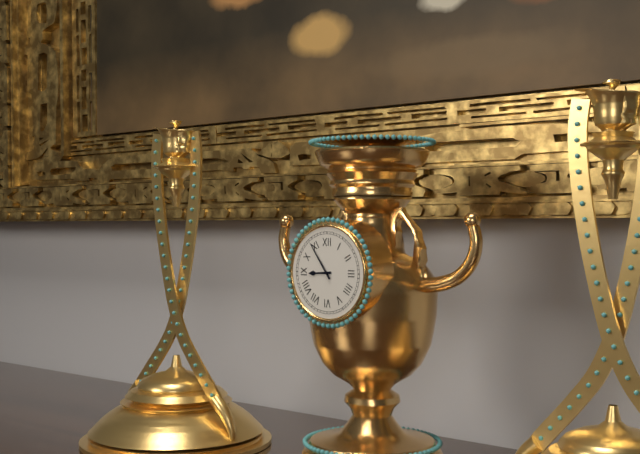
8:54
